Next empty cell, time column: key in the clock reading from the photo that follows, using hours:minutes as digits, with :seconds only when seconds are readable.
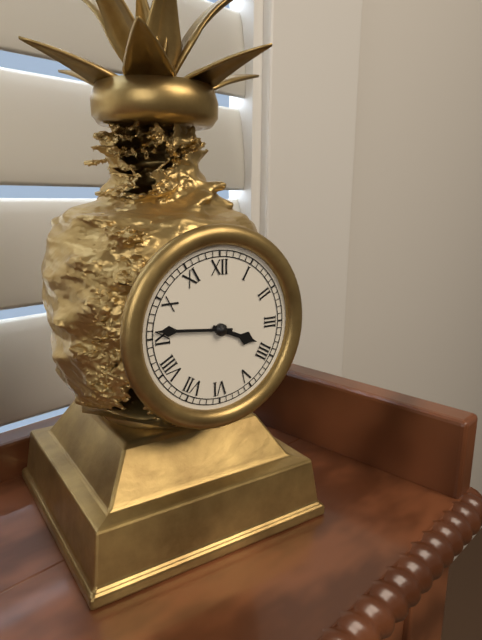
3:46
